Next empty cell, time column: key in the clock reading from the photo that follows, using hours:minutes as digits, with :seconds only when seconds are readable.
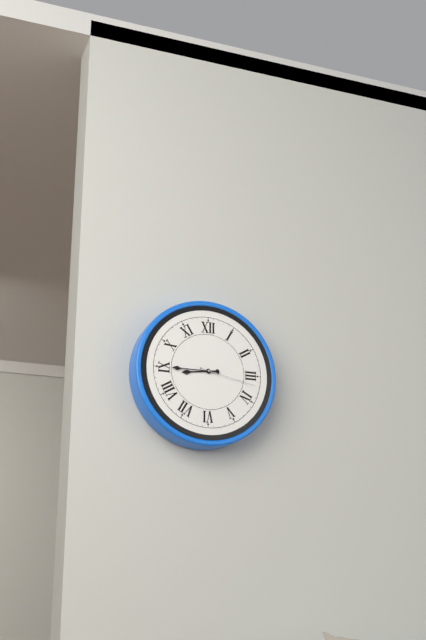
8:45:17
